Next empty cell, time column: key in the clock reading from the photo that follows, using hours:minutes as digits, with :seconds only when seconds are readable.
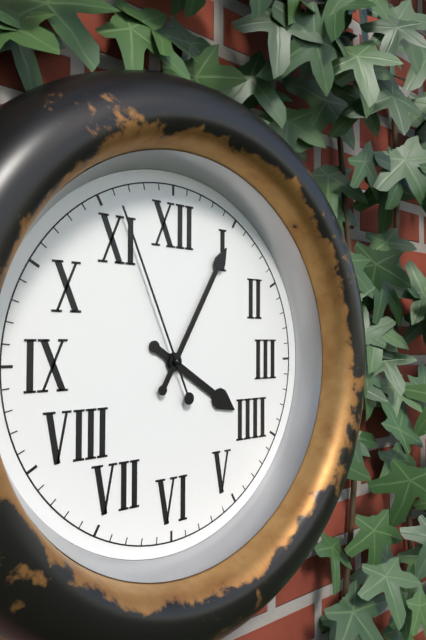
4:05:56
